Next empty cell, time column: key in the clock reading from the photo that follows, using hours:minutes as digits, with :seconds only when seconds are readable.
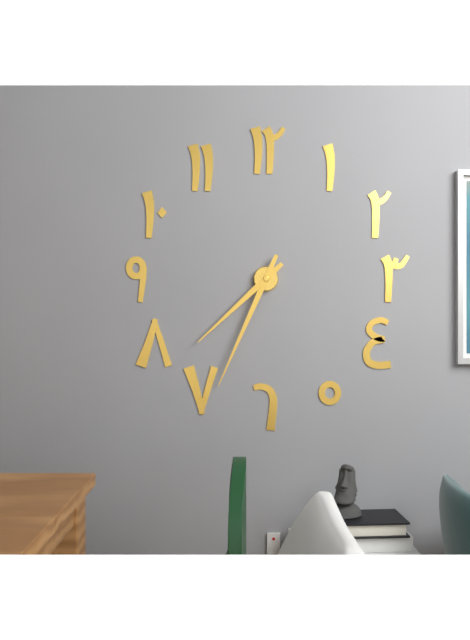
7:34
